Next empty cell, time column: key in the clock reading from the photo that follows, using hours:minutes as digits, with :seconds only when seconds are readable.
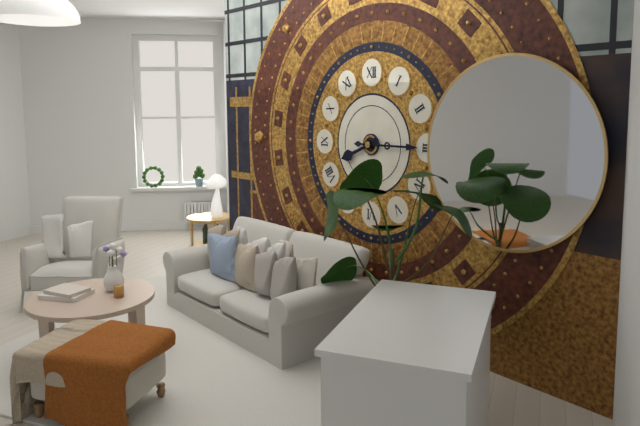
8:15
